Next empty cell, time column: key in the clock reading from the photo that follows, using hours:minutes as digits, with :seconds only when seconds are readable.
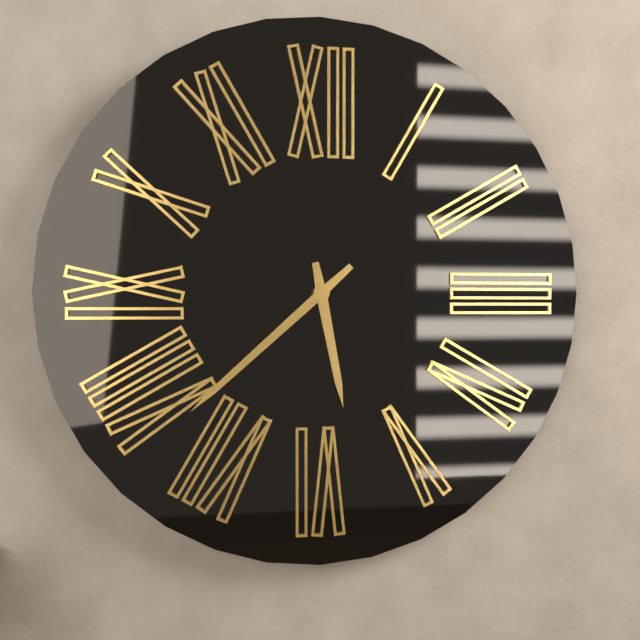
5:38
